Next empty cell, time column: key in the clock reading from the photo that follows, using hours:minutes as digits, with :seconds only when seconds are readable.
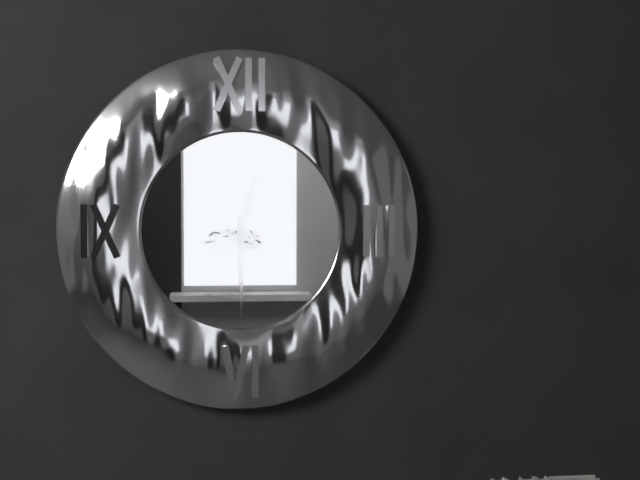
12:30
